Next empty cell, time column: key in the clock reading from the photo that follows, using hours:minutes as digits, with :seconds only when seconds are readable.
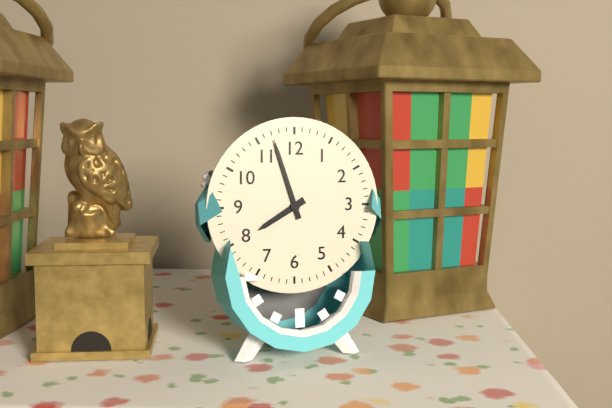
7:57
